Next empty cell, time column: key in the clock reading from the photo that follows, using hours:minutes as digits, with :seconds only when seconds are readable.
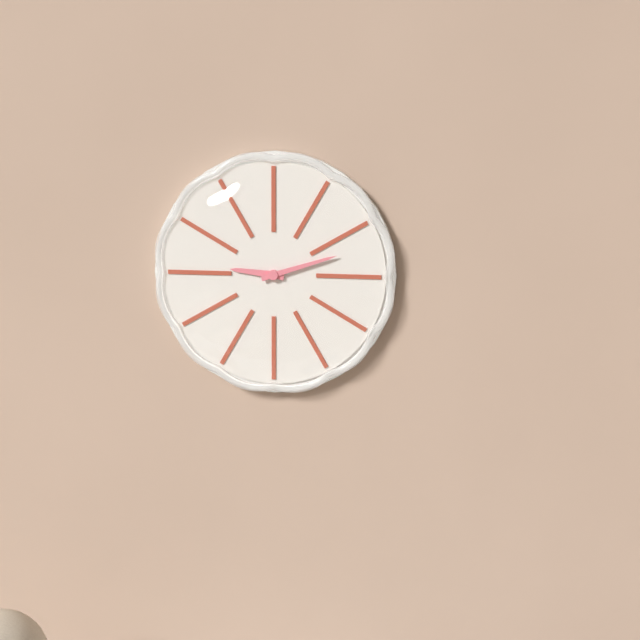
9:12
